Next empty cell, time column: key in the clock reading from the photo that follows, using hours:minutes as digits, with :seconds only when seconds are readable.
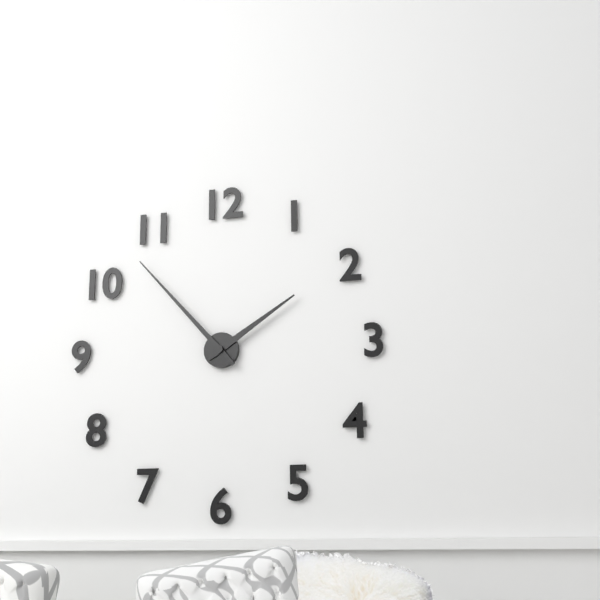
1:53
